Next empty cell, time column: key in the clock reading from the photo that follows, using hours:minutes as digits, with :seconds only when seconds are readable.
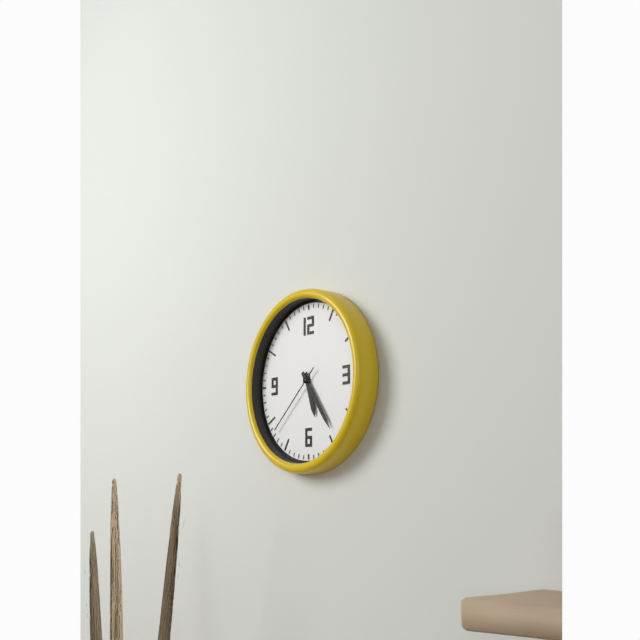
5:24:38
